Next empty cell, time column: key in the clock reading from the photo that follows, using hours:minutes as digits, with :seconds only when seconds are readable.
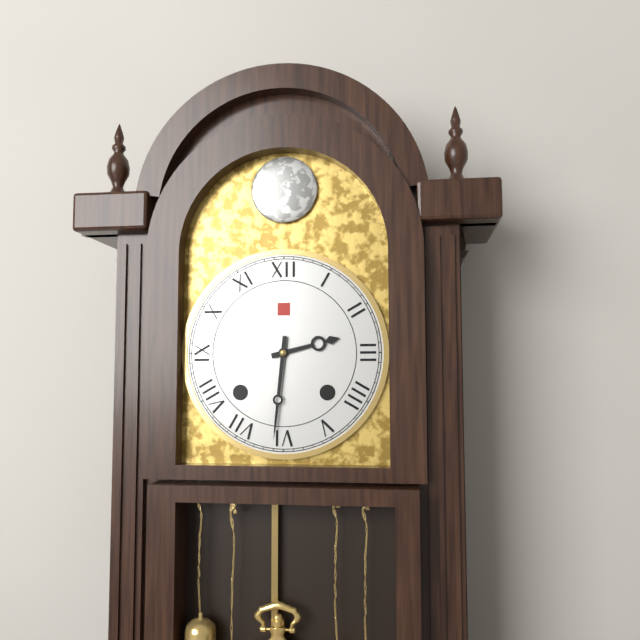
2:31
